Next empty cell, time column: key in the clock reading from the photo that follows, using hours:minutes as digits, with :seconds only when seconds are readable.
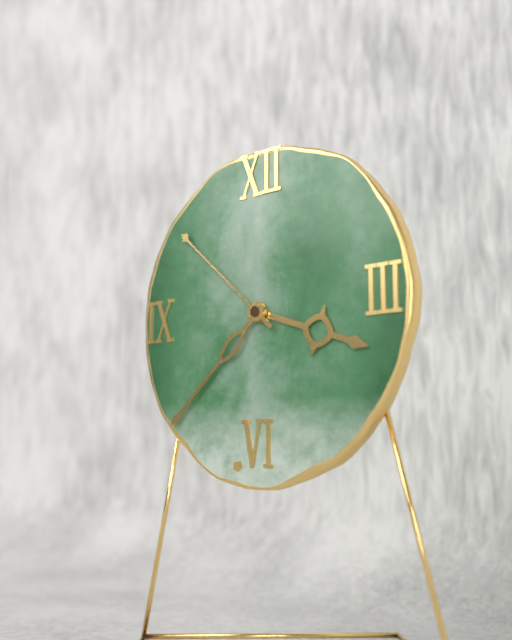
3:38:52
